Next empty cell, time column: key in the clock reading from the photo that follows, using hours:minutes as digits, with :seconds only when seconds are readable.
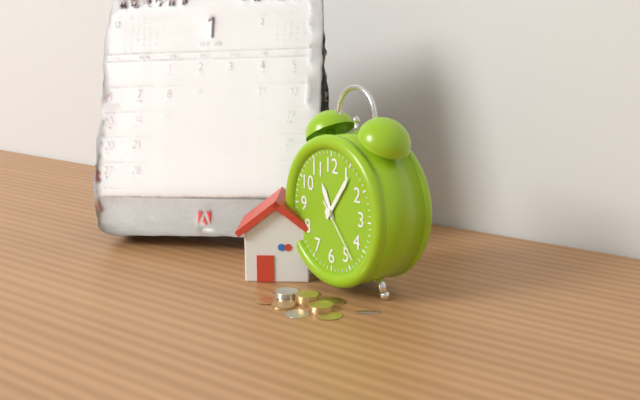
11:06:23
